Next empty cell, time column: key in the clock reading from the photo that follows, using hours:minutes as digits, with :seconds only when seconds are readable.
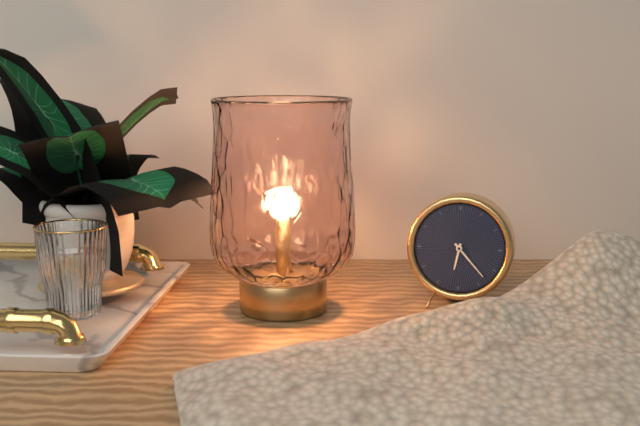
6:23
